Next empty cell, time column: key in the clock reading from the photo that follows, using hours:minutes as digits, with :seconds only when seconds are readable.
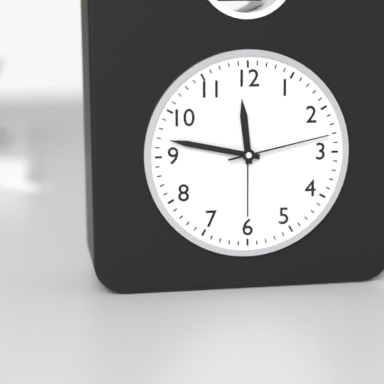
11:47:13
